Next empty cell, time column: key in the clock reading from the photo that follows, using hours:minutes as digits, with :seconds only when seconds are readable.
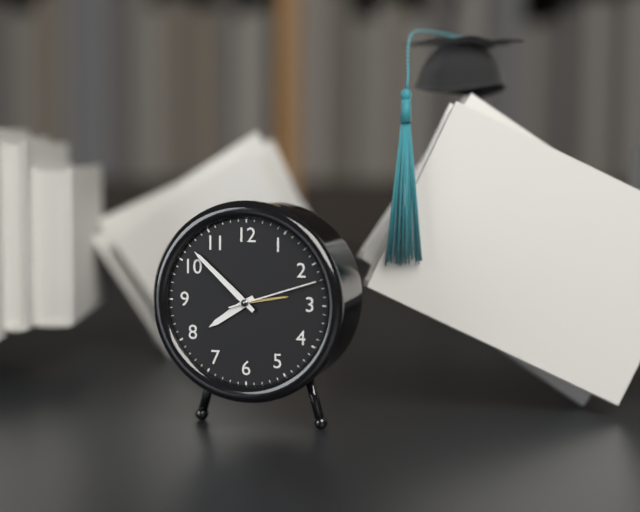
7:52:12
